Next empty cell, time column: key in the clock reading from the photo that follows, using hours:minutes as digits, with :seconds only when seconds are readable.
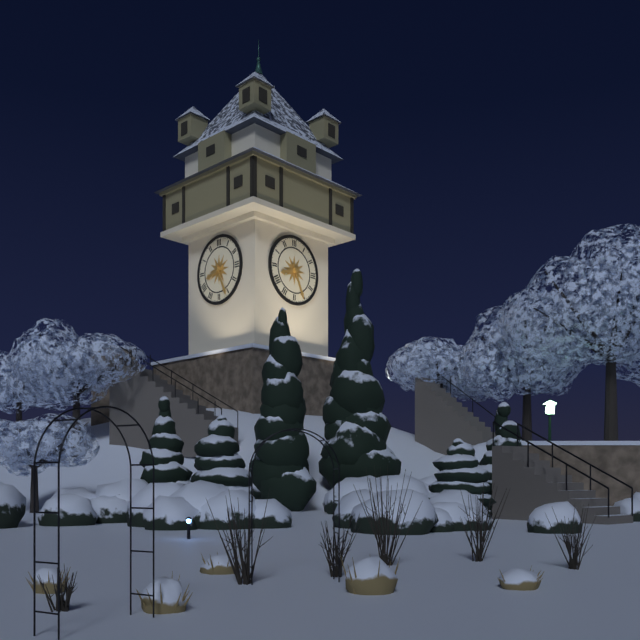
8:26
